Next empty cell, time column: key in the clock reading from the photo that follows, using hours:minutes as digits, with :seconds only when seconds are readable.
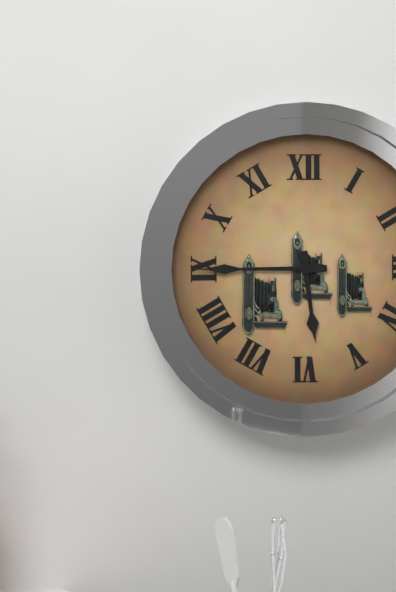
5:45
